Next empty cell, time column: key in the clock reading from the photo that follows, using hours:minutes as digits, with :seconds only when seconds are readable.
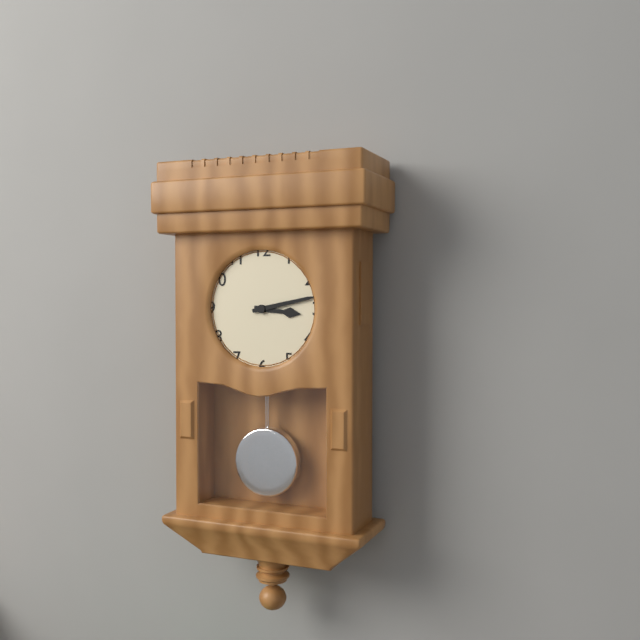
3:13
